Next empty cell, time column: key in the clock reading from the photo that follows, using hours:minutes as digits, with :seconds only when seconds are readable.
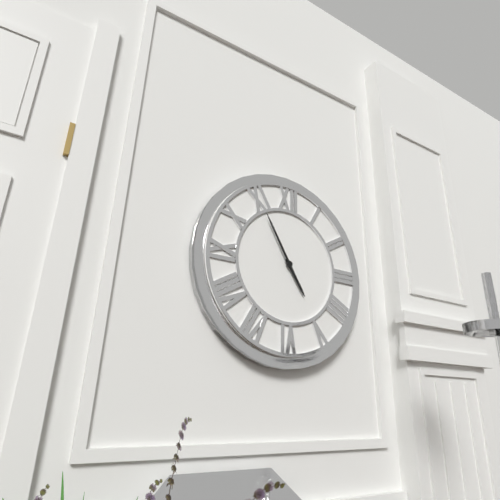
4:55
